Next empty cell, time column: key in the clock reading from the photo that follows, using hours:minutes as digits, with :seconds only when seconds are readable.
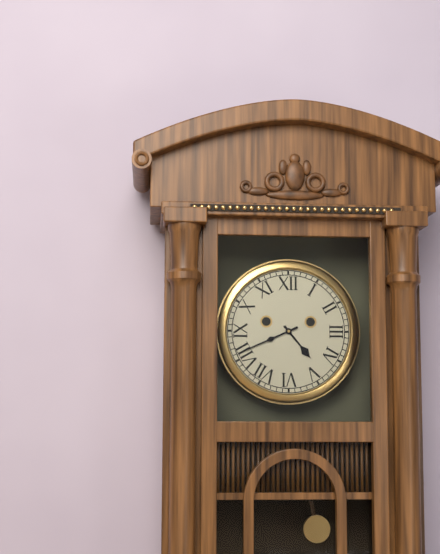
4:41
